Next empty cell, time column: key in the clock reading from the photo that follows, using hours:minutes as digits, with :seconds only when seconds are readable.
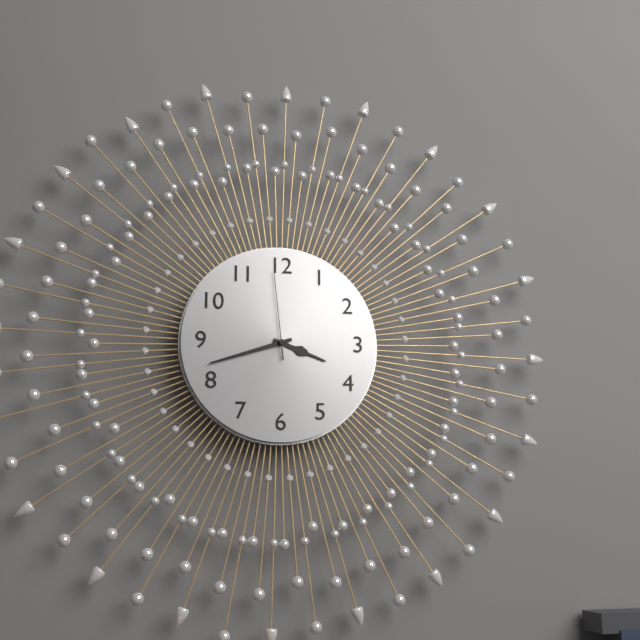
3:42:59
